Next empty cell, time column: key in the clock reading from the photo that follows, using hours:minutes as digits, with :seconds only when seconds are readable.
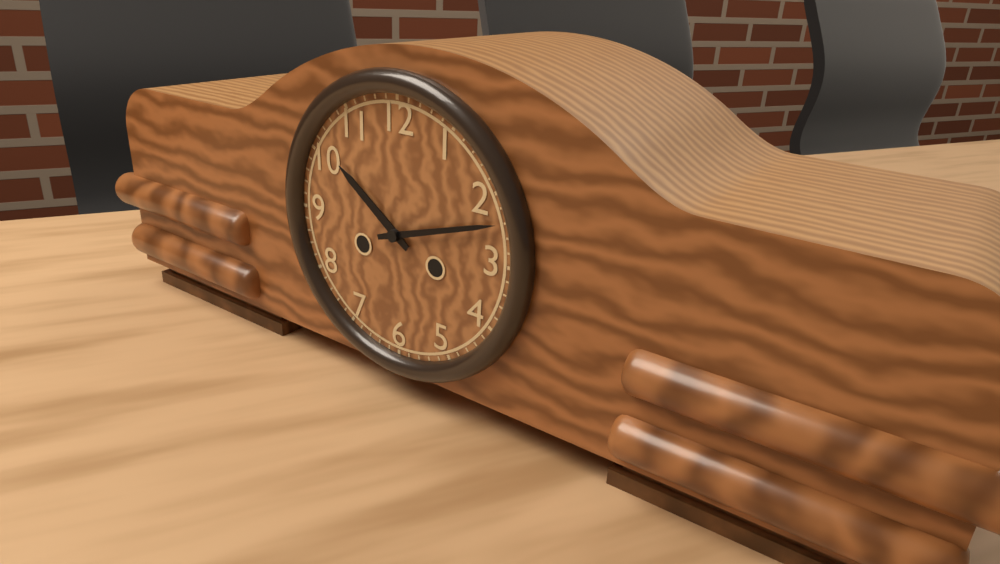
10:12
